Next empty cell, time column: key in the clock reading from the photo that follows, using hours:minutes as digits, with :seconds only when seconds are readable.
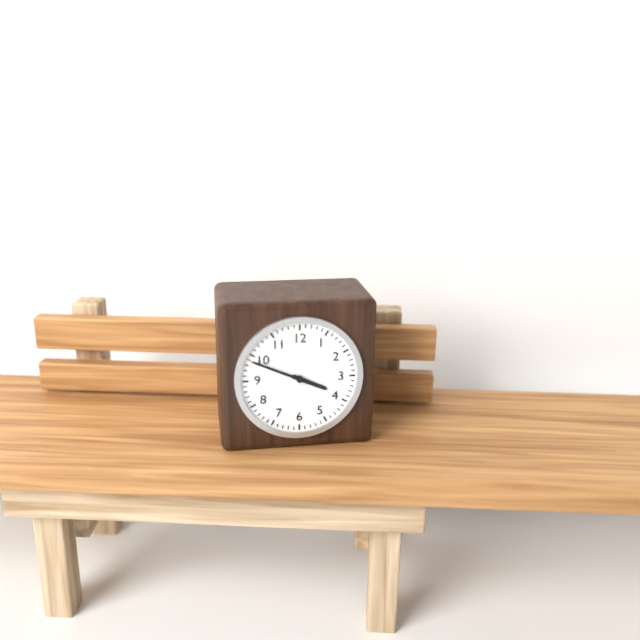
3:49
